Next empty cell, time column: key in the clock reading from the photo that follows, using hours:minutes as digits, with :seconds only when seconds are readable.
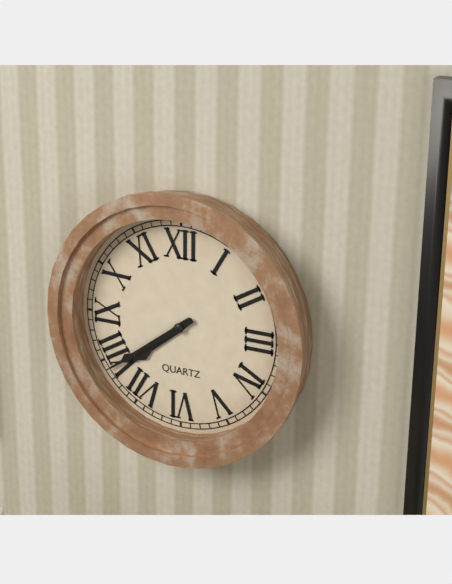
7:39
